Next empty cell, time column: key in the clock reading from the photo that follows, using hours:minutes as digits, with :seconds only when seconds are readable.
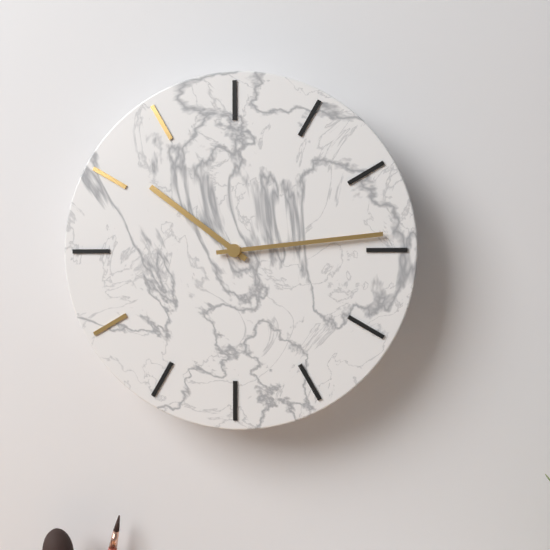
10:14
